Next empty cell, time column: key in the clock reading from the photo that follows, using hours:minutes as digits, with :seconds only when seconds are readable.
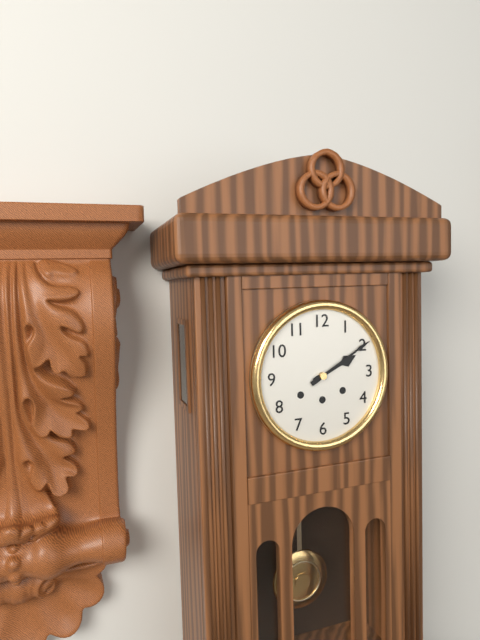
2:10
